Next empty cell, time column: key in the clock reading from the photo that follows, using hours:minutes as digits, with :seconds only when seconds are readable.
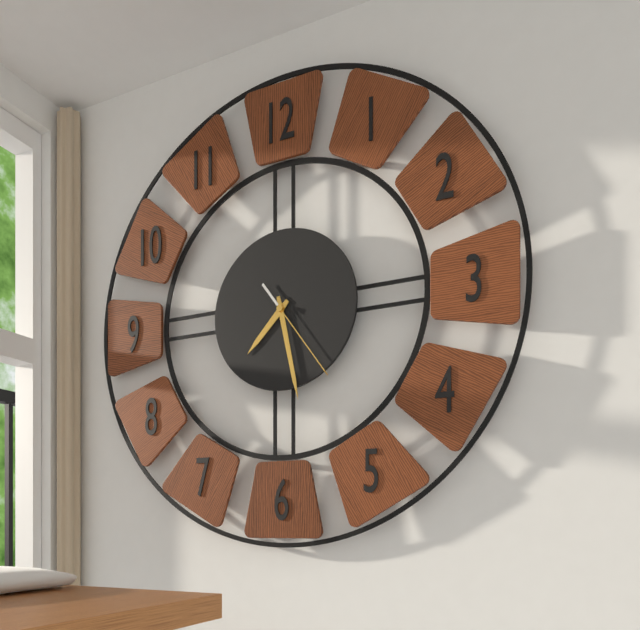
7:28:24
